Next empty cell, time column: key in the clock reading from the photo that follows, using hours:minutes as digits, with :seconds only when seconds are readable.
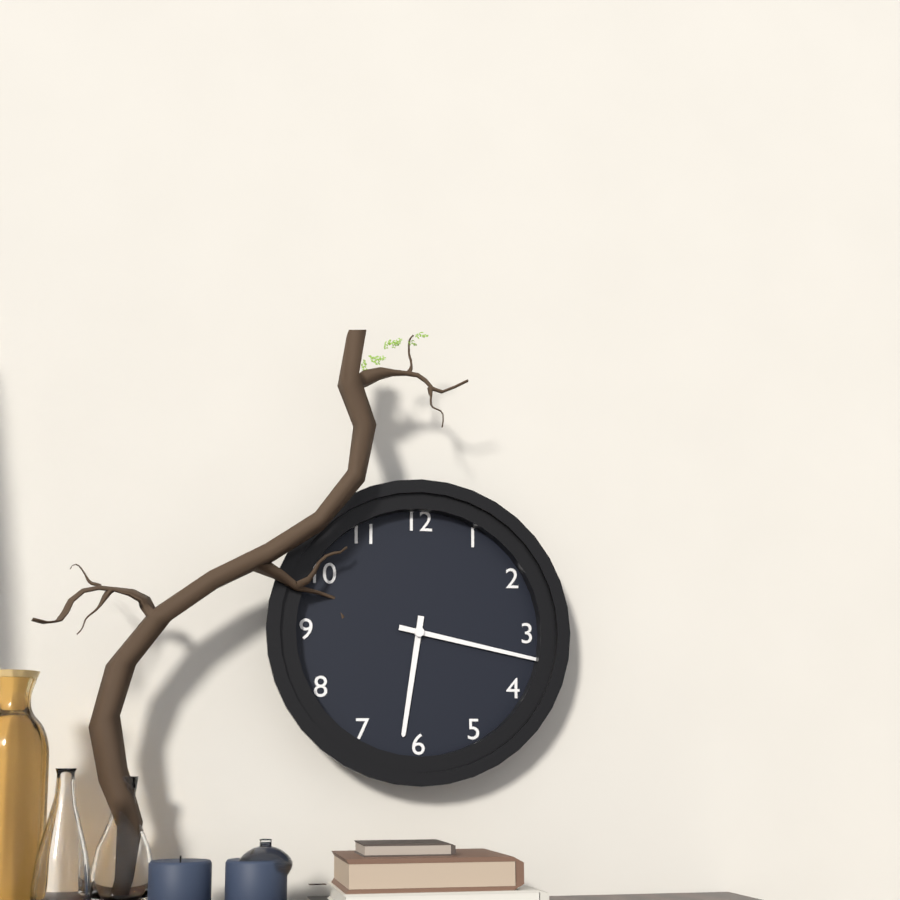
6:17
